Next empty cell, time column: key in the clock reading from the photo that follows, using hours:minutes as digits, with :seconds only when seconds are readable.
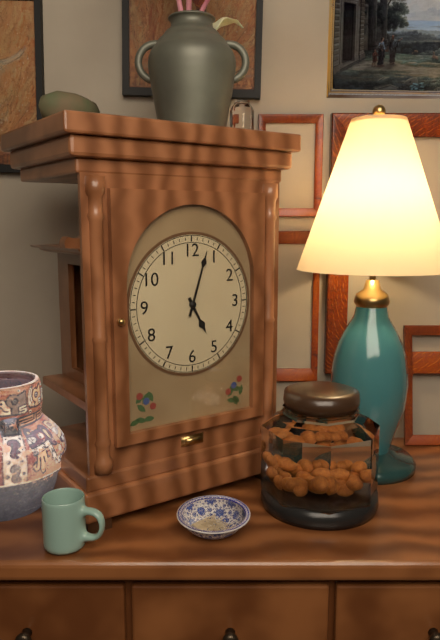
5:03
